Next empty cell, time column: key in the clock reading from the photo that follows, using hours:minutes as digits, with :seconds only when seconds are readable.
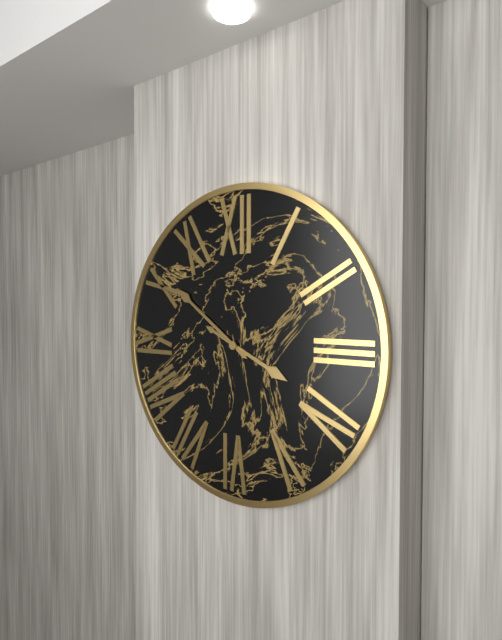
3:51
